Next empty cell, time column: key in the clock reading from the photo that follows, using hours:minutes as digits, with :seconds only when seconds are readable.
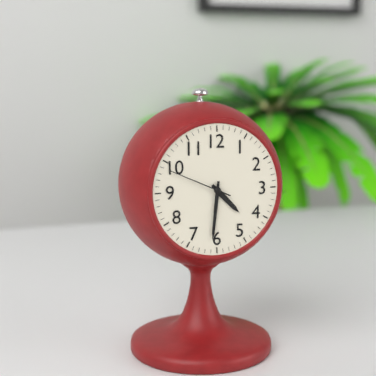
4:31:49
